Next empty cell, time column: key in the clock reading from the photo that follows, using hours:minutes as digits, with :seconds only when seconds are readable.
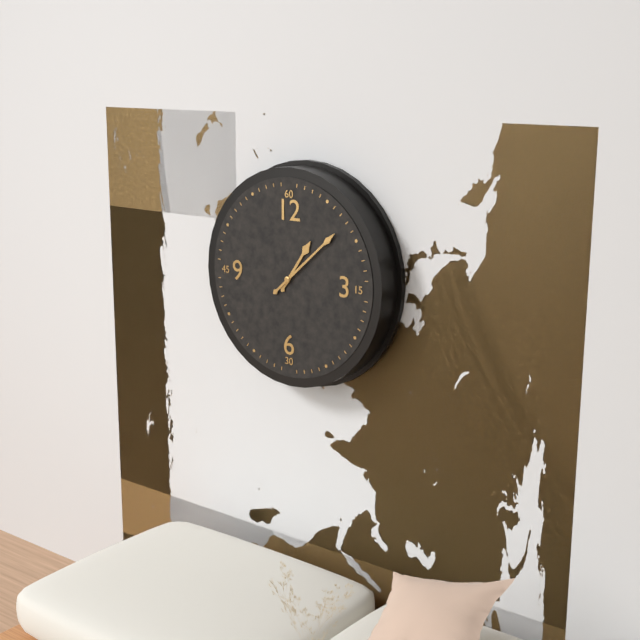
1:08
